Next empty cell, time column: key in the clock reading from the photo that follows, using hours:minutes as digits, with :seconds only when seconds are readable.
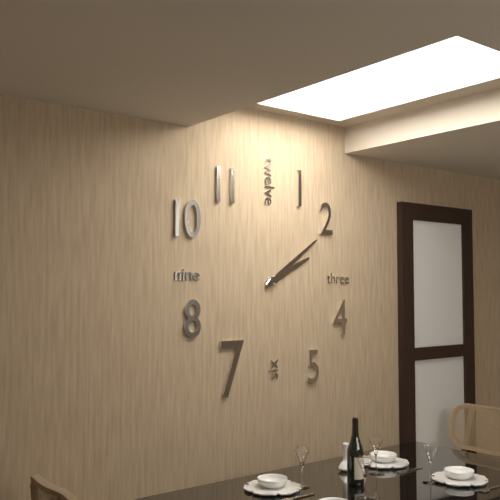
2:09
